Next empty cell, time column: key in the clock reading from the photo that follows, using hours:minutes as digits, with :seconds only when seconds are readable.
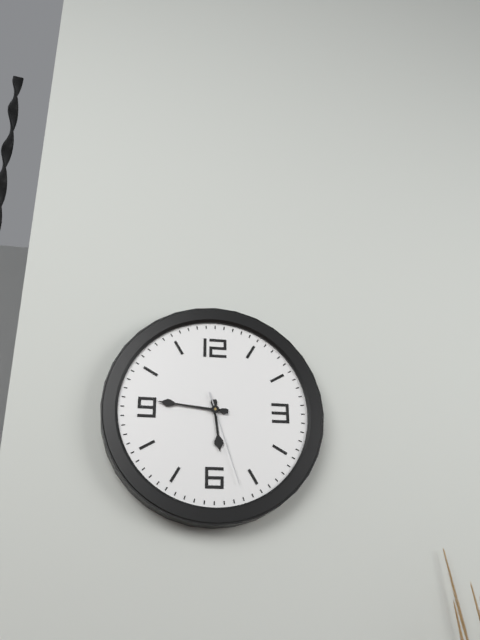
5:46:27
